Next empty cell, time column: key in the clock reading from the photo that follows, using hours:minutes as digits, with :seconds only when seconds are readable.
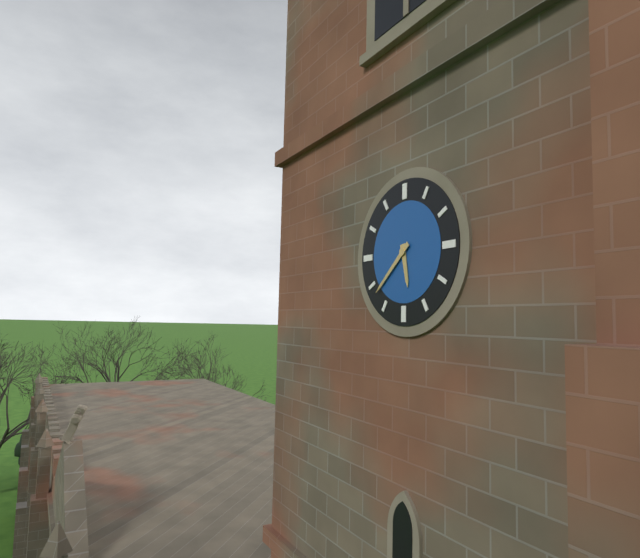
5:38
